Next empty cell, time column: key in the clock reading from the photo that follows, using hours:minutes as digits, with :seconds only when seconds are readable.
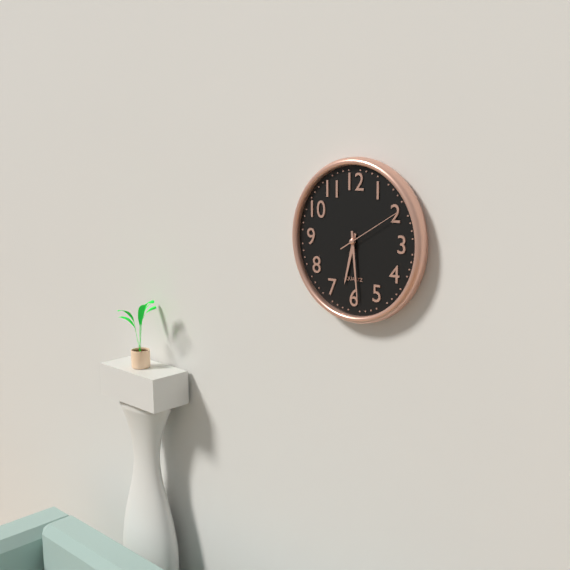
6:29:10
